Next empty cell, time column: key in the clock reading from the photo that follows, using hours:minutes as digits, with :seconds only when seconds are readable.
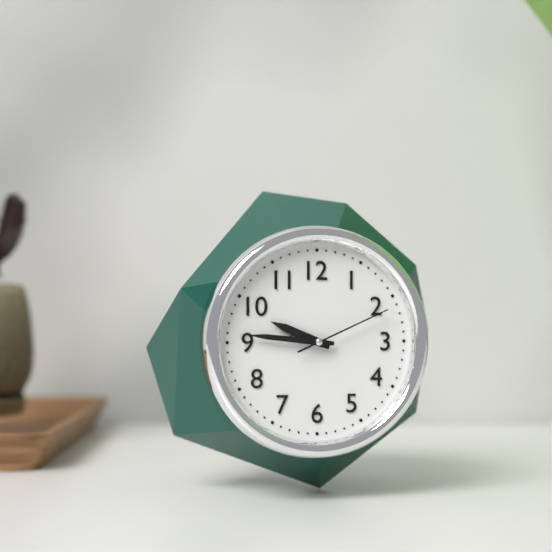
9:46:11
